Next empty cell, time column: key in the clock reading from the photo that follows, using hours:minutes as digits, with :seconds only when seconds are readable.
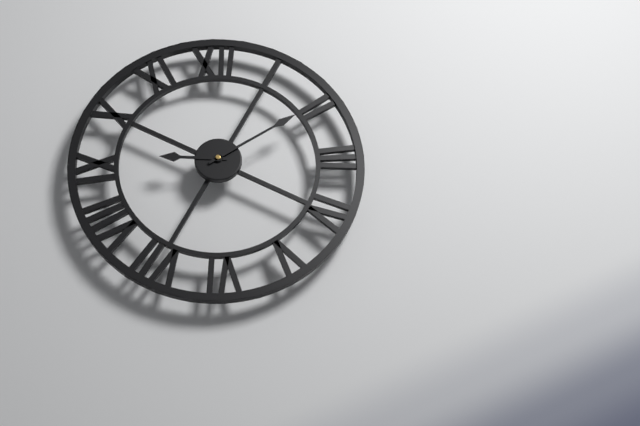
9:10
